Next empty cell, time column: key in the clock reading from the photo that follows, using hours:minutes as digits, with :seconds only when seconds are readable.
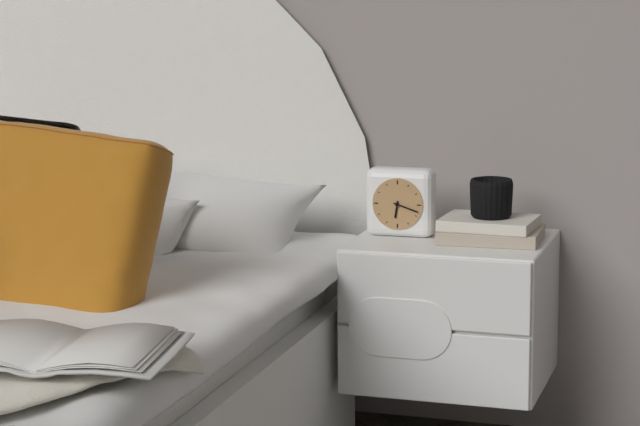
6:18
